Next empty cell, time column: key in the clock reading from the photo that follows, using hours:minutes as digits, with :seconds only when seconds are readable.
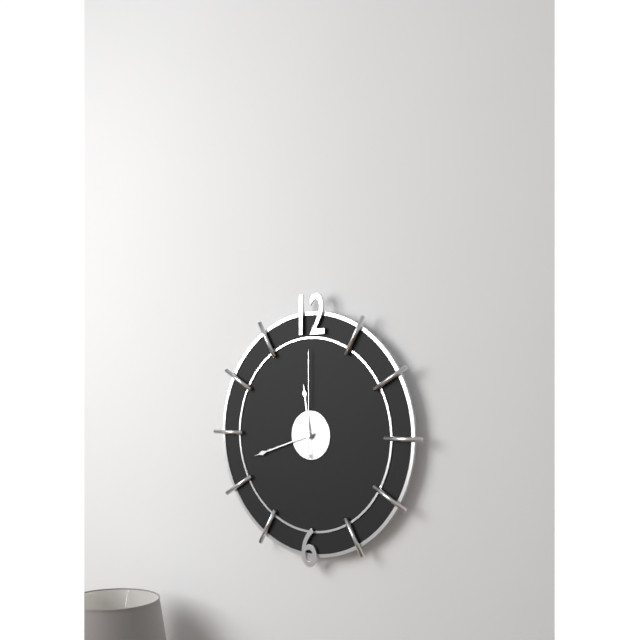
11:42:00
